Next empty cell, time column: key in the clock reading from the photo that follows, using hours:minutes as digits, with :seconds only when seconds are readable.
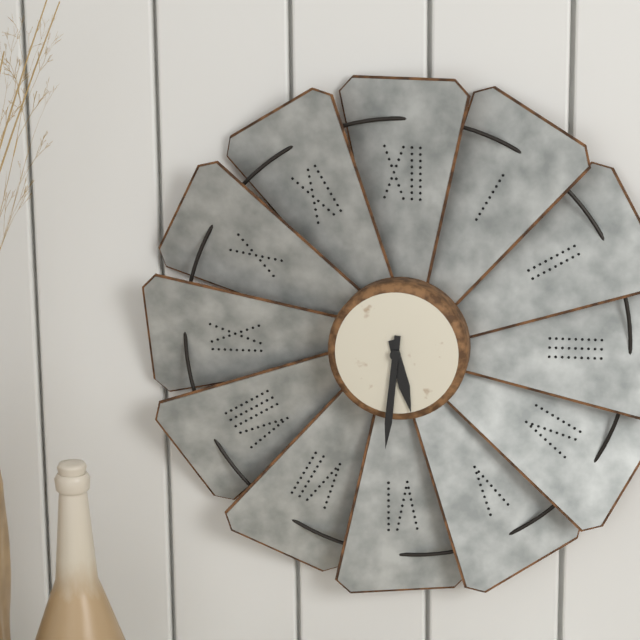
5:31
